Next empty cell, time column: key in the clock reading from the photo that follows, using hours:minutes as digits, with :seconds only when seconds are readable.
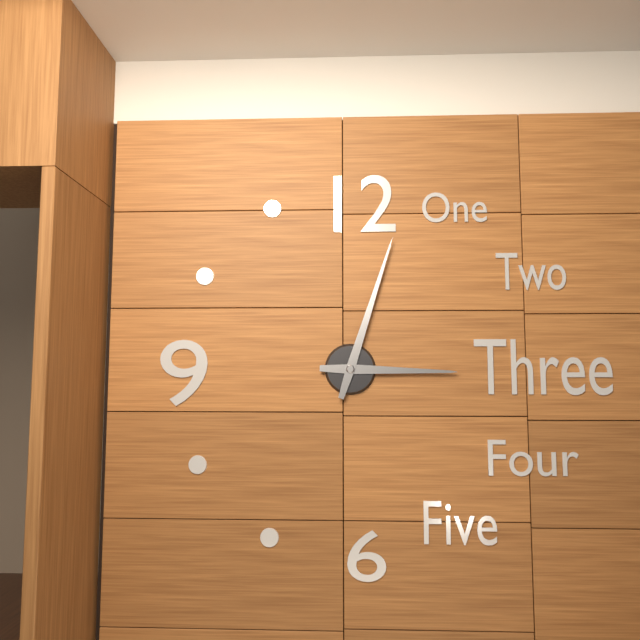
3:03
